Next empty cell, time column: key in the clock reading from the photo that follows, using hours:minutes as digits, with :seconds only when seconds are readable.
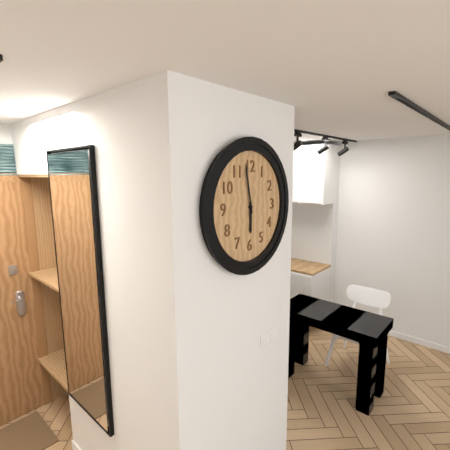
5:58
